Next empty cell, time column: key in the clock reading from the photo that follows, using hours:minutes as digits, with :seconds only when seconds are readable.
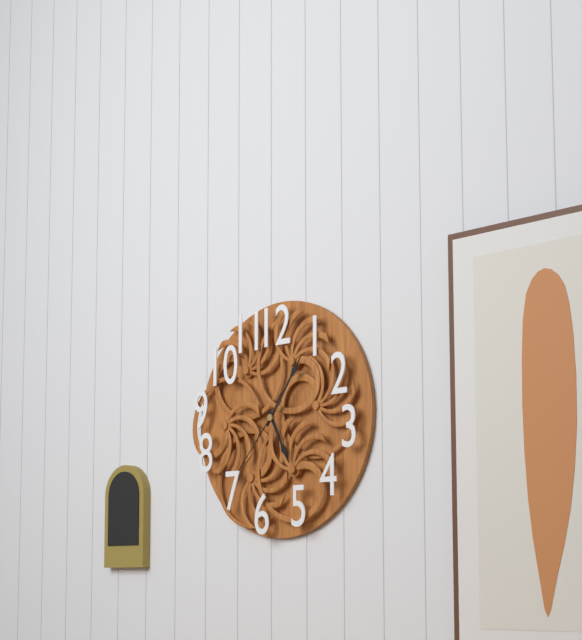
5:06:37
